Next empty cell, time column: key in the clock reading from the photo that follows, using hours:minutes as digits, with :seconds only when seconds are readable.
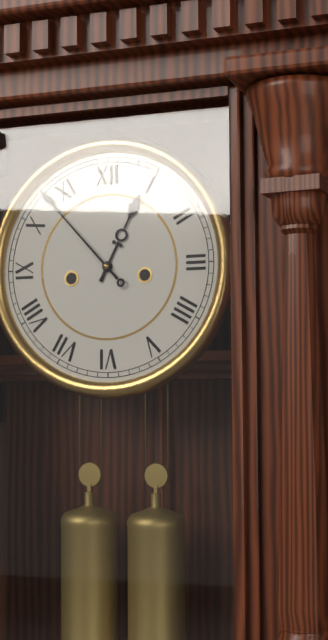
12:53
